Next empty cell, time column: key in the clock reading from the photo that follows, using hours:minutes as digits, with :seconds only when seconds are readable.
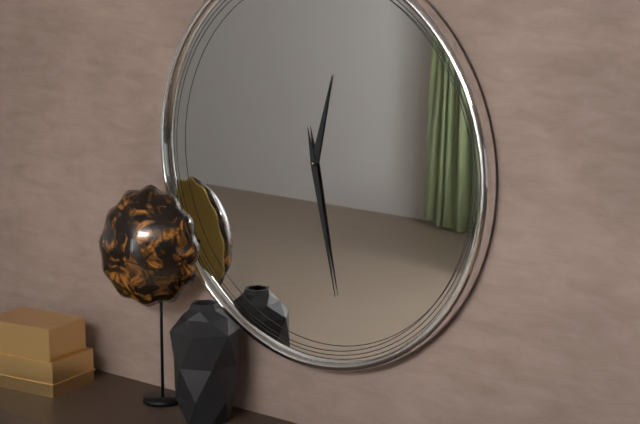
12:28
